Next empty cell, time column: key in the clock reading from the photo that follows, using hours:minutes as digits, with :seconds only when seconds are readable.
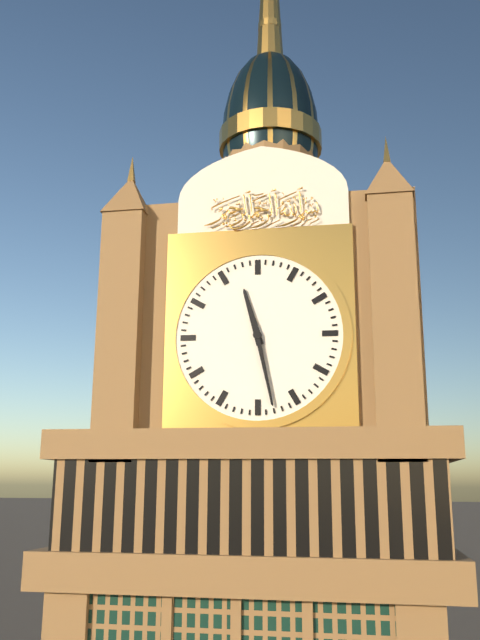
11:28
